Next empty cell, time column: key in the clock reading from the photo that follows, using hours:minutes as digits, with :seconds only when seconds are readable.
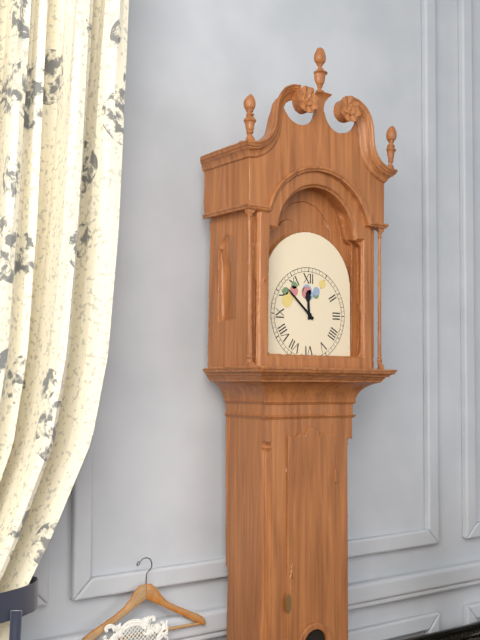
11:52
